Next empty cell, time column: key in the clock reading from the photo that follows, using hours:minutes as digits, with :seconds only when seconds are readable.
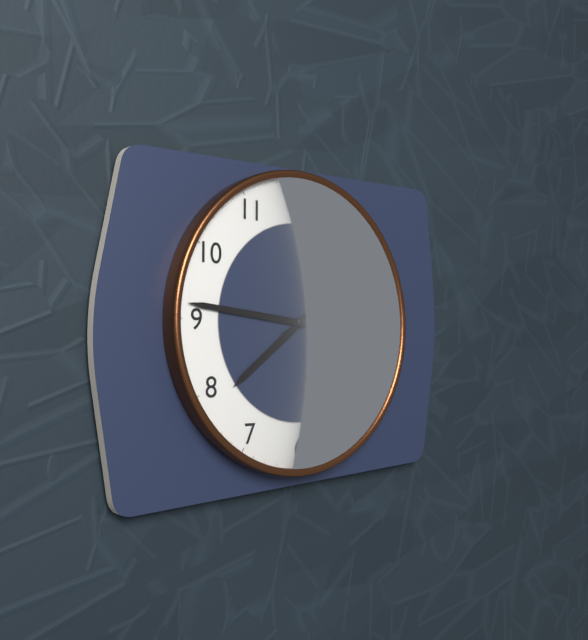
7:46:11
